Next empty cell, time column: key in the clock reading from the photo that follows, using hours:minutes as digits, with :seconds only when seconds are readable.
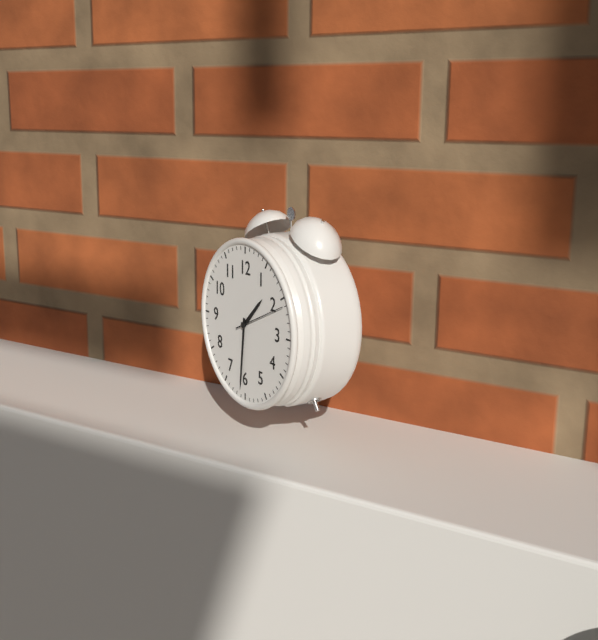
1:31
